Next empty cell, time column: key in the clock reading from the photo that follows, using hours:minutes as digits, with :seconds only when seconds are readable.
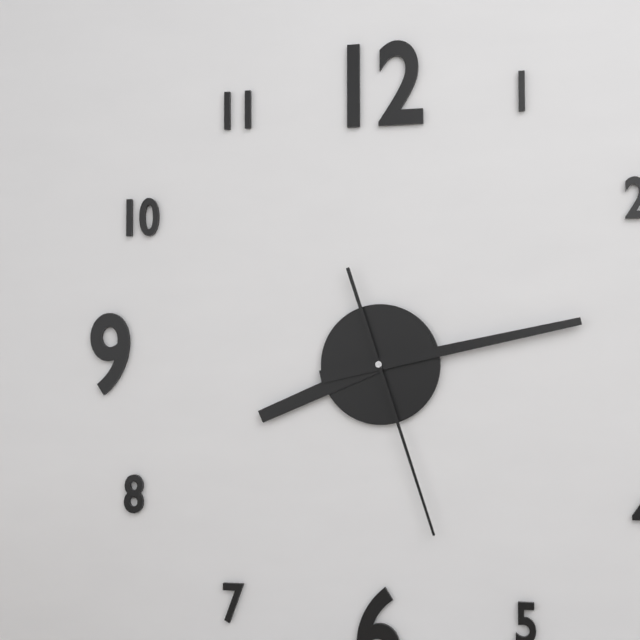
8:13:27
